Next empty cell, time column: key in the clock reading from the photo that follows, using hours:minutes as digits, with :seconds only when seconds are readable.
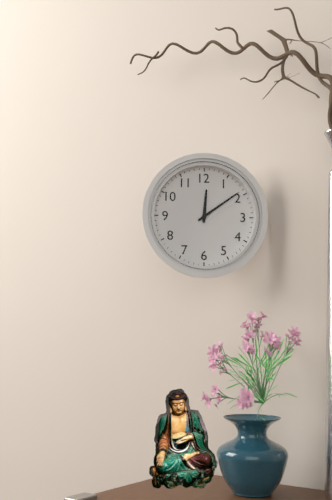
12:09
